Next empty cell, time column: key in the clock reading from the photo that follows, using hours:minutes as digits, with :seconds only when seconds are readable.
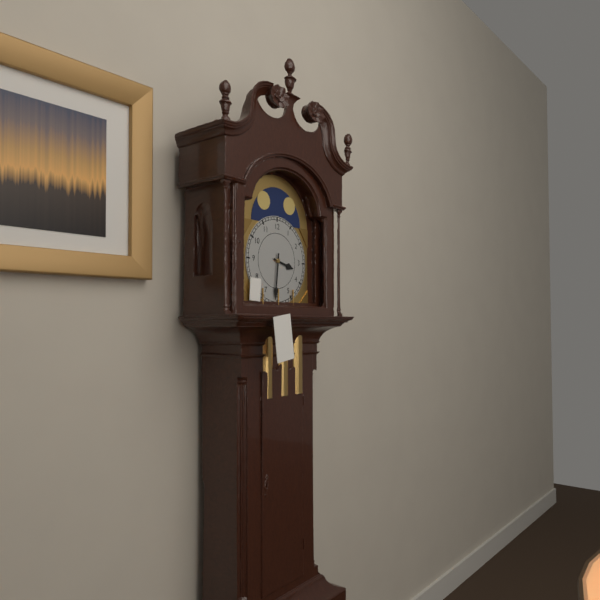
3:31
